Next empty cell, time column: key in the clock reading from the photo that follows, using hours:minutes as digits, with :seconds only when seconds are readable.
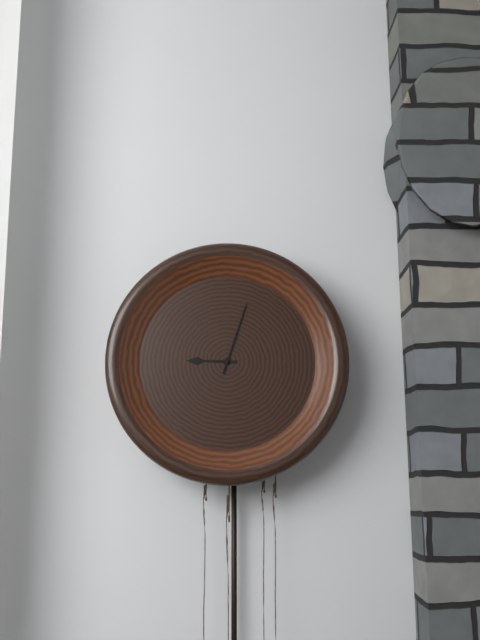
9:03
